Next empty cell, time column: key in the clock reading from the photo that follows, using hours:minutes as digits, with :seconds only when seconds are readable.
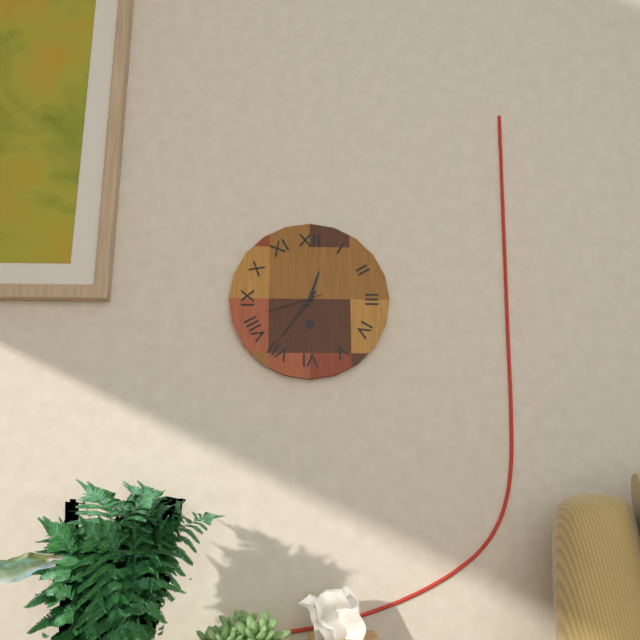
12:36:42
